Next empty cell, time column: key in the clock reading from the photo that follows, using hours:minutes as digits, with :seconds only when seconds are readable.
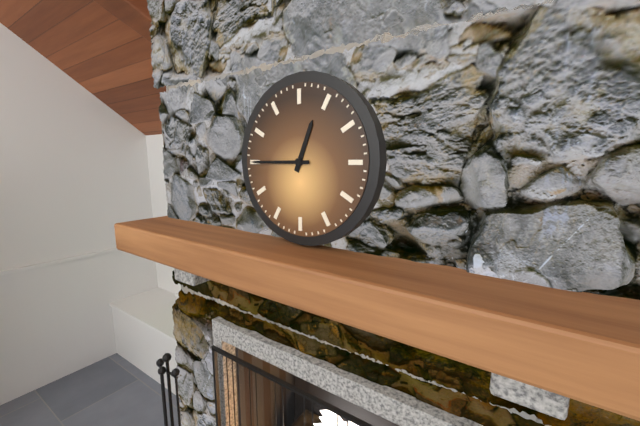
12:45
